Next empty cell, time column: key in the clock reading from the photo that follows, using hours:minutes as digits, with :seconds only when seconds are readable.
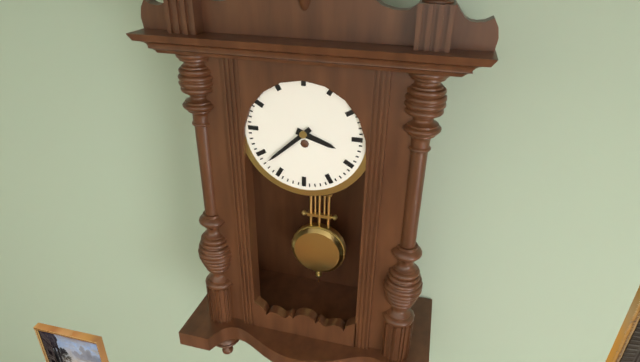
3:38
